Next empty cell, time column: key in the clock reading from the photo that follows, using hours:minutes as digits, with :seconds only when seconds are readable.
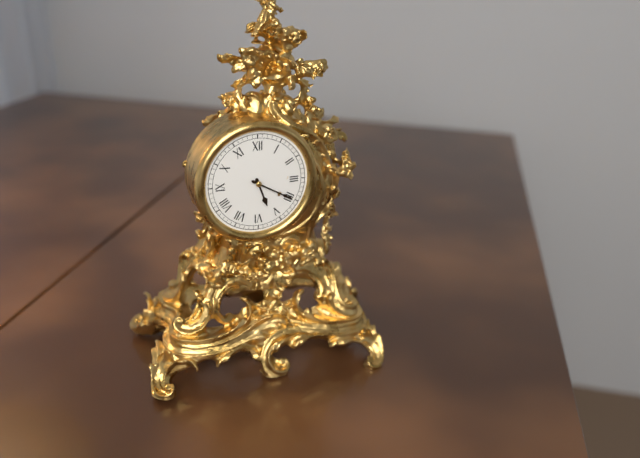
5:20
